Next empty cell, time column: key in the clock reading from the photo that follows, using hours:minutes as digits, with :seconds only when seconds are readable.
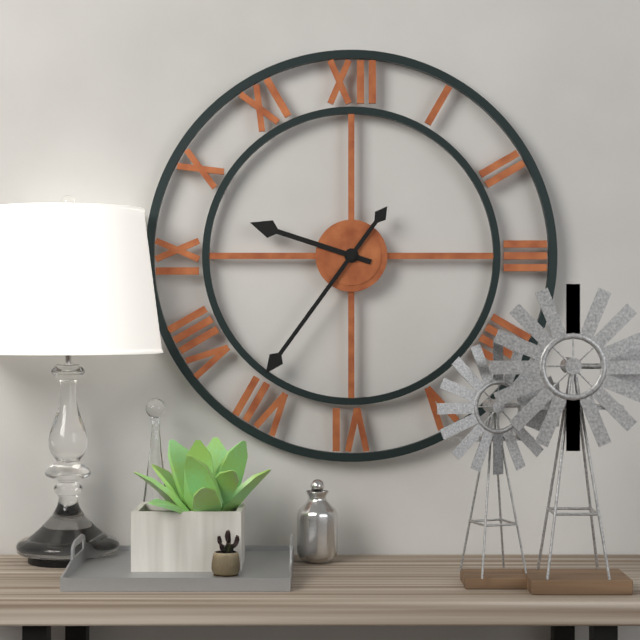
9:36
